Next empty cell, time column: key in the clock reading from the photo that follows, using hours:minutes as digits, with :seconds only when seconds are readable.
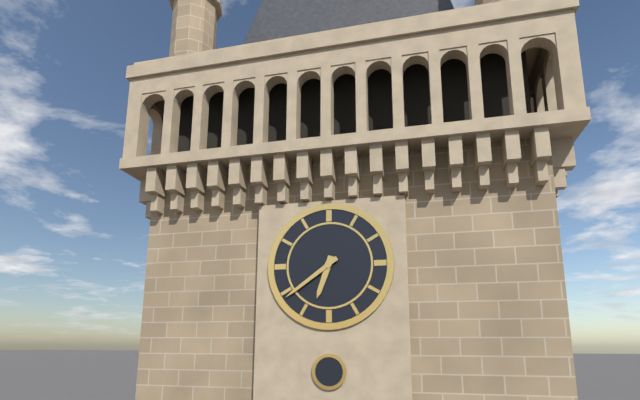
6:39
